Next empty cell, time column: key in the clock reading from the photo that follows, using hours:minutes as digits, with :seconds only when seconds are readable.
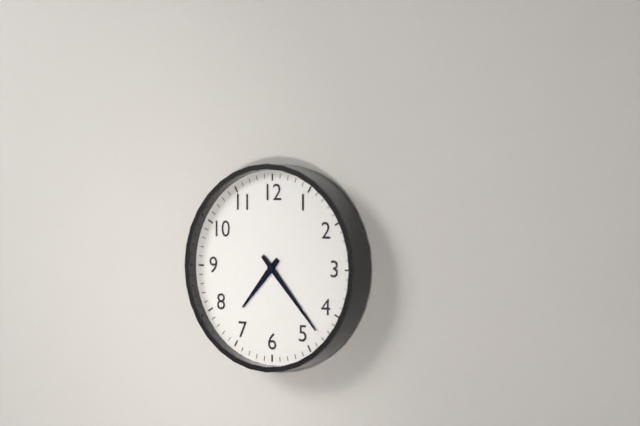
7:23
